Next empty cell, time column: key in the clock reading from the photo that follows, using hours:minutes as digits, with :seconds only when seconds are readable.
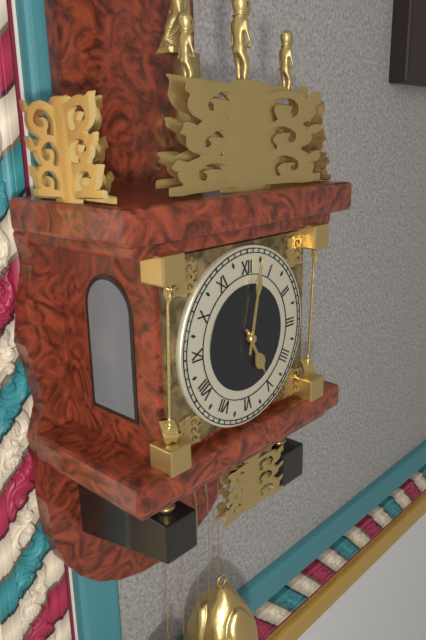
5:02
